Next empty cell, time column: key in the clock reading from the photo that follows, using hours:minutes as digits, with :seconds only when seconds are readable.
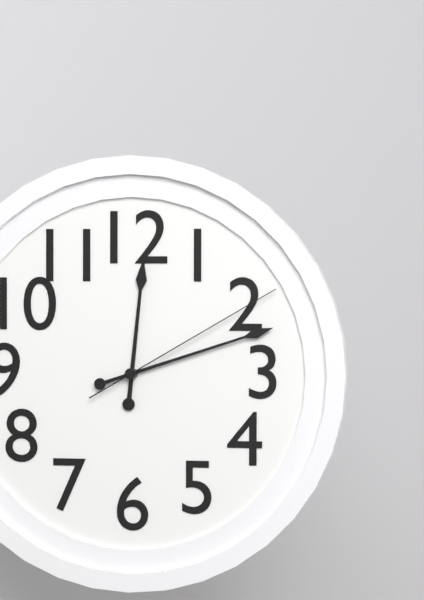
12:12:10
